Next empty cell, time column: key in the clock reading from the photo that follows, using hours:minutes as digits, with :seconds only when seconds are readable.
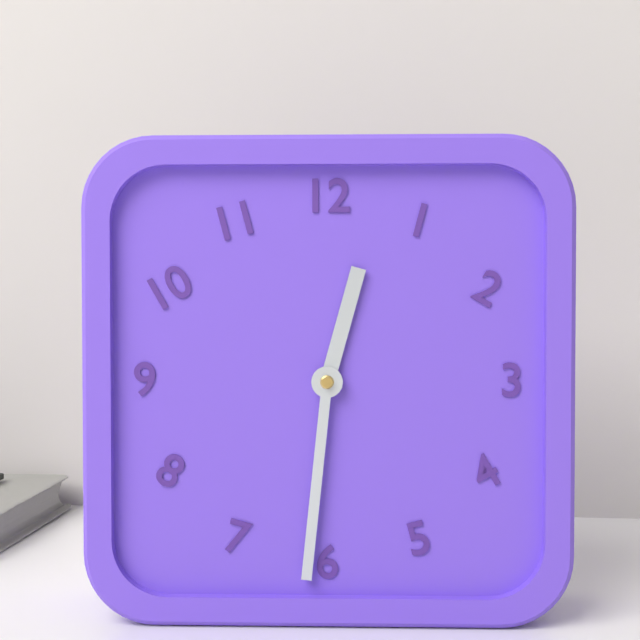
12:31
